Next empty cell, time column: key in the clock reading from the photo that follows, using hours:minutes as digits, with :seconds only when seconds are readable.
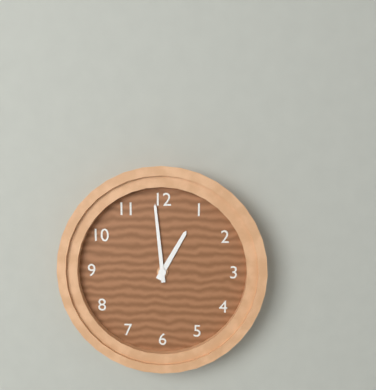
12:59
